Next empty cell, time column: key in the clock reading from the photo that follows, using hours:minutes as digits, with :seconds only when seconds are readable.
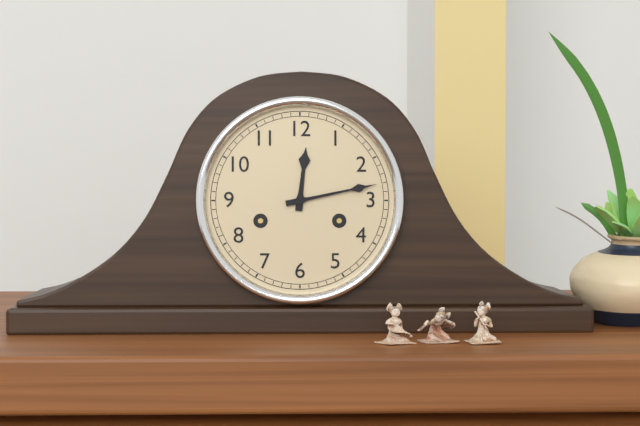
12:13
